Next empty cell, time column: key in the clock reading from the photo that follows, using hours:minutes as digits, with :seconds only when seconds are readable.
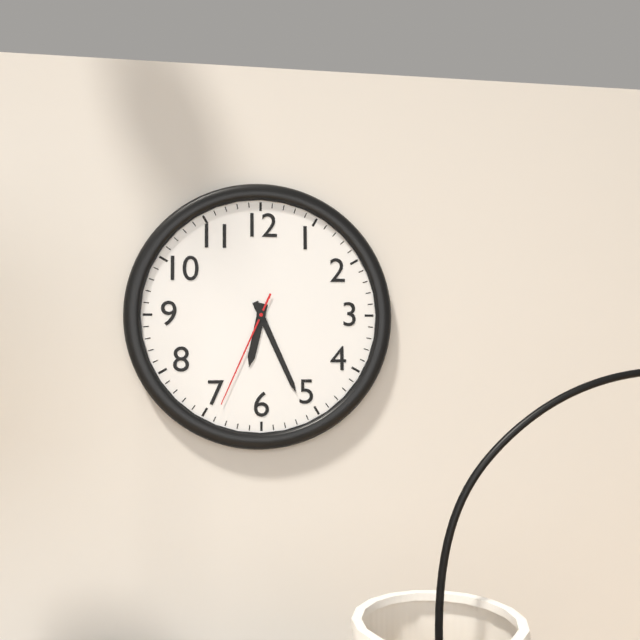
6:26:34
